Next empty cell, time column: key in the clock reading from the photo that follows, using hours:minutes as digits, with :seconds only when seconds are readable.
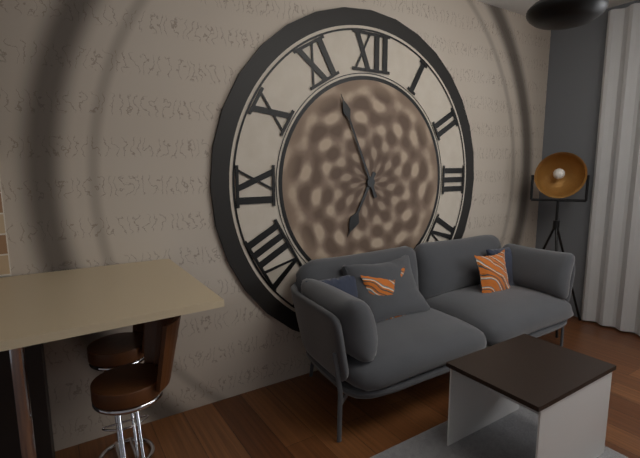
6:56
